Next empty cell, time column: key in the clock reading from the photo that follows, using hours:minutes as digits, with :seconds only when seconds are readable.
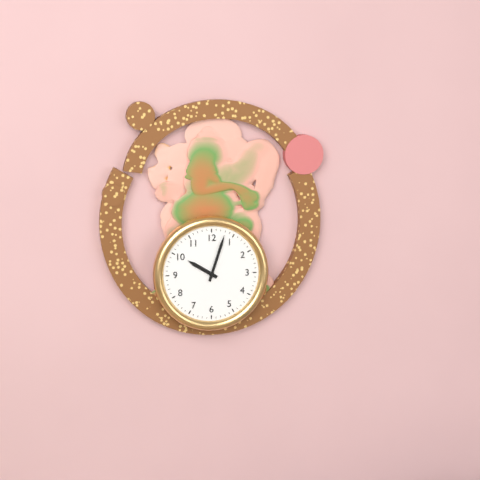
10:03
